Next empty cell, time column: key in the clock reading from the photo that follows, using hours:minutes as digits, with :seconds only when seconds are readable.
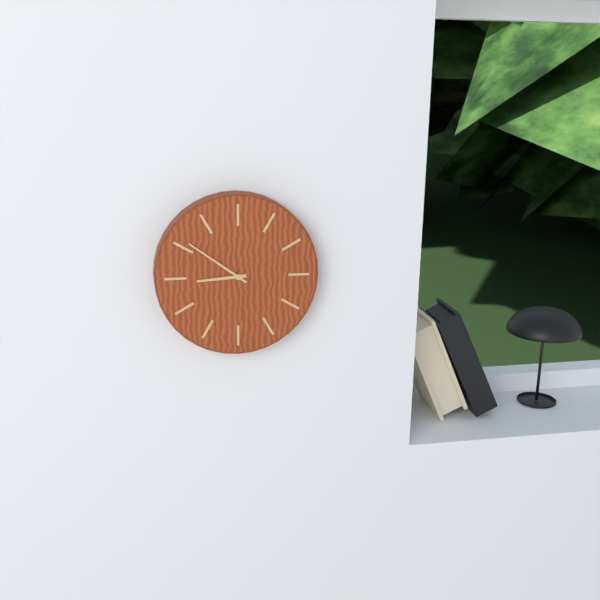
8:51
